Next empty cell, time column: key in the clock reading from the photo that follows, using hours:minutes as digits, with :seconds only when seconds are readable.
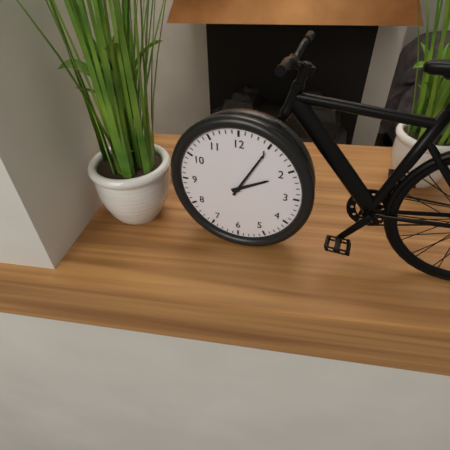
2:05
